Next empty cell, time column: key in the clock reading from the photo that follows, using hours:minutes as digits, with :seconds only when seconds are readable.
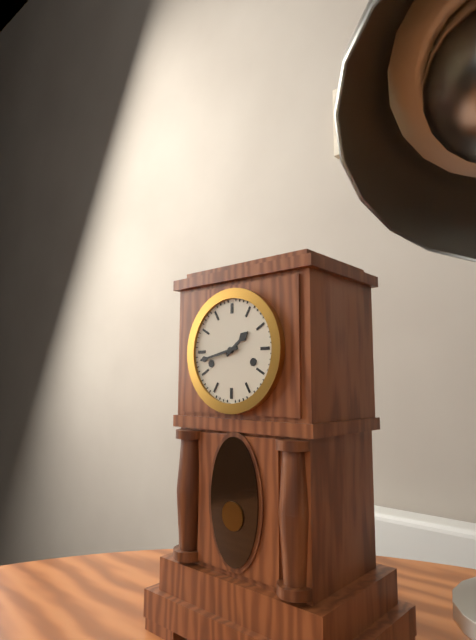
1:43
